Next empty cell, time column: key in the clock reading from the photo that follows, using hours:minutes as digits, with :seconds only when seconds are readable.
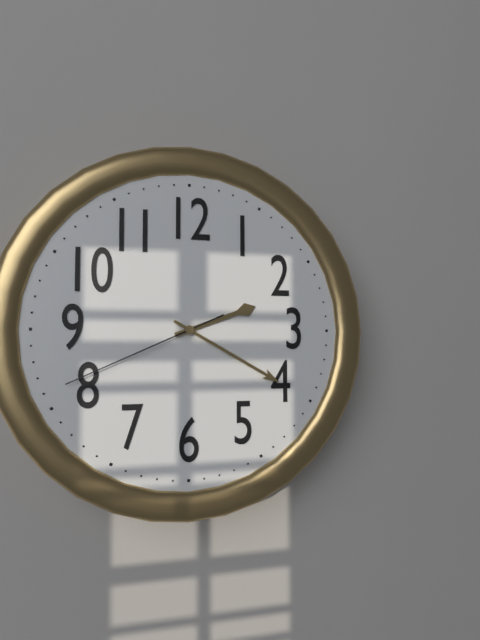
2:20:41
